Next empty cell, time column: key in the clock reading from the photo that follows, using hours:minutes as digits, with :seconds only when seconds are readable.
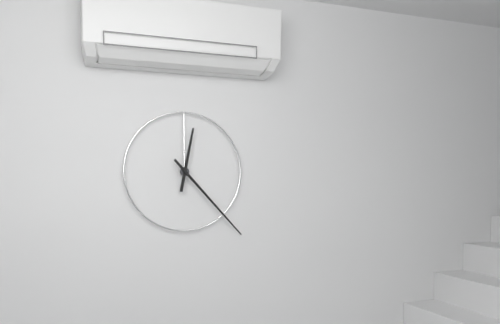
12:23
